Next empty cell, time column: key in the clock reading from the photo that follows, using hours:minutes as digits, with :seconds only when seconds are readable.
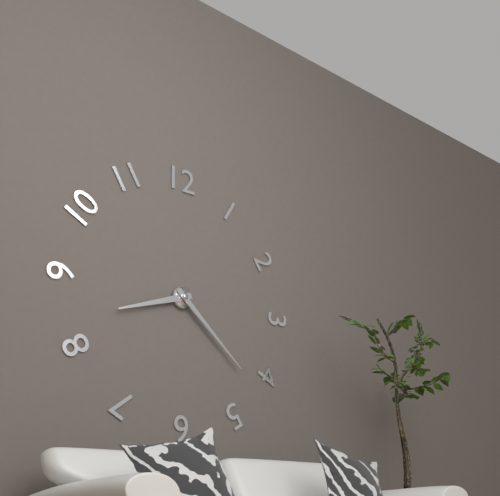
8:22
